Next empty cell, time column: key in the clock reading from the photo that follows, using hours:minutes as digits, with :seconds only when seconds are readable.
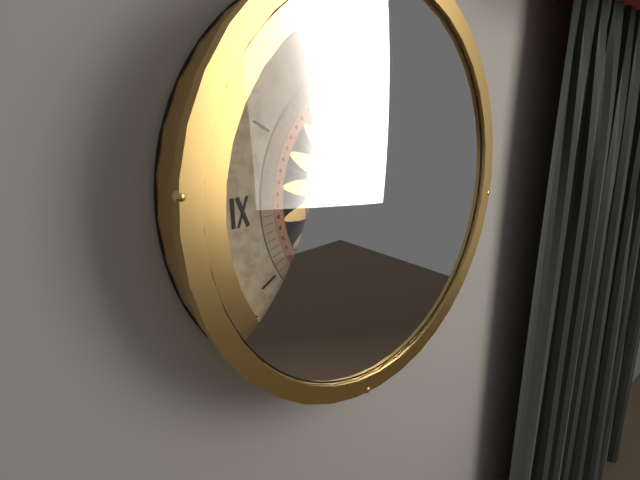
4:02
